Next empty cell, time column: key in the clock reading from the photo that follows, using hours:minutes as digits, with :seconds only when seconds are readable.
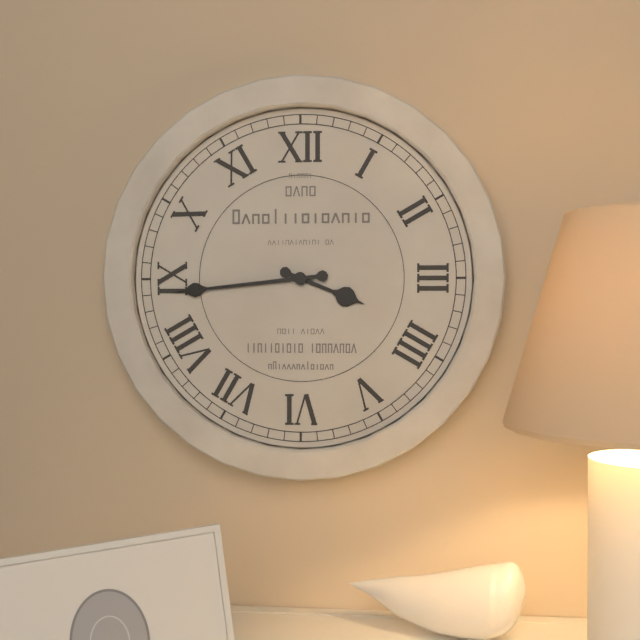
3:44
